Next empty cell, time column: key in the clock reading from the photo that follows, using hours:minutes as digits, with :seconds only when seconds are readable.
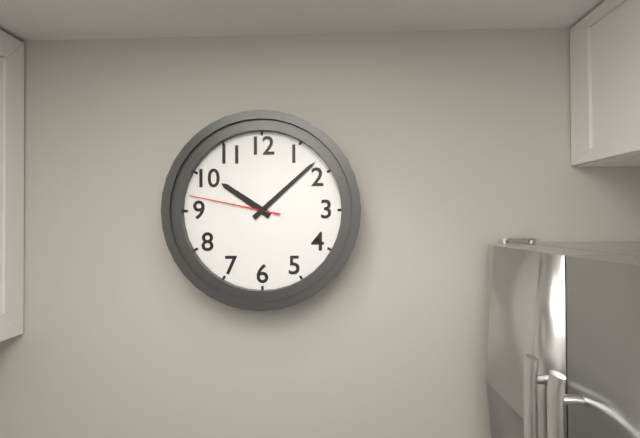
10:08:47
